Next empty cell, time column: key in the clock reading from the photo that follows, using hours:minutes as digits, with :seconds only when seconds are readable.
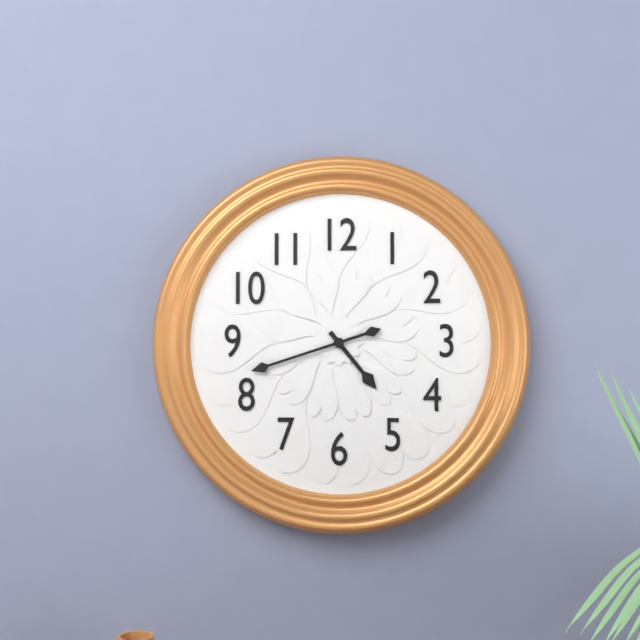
4:42
